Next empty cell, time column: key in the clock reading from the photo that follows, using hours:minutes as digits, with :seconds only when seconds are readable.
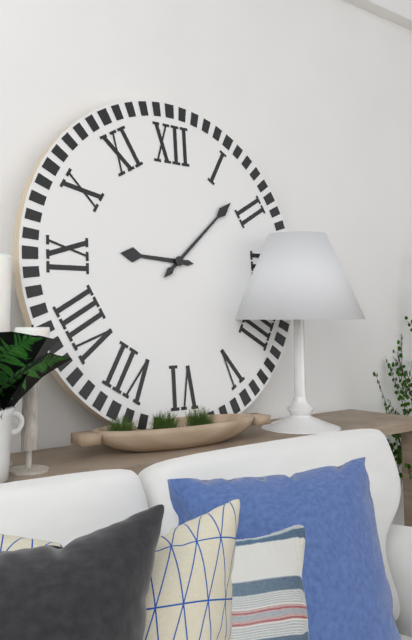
9:08
